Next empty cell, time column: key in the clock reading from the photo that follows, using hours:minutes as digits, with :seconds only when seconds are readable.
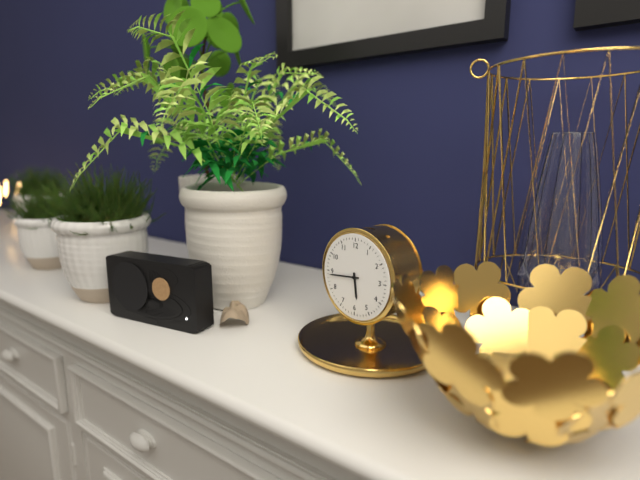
5:44
